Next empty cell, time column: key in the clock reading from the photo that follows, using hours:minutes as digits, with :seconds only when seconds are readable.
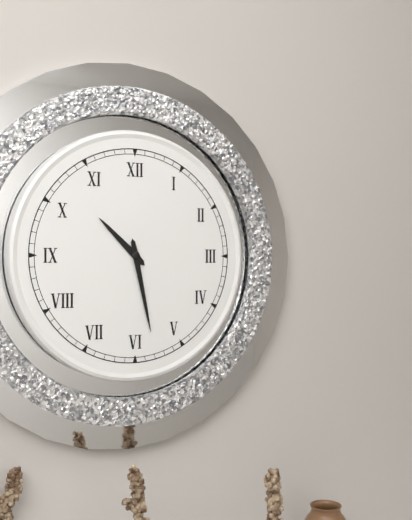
10:28
